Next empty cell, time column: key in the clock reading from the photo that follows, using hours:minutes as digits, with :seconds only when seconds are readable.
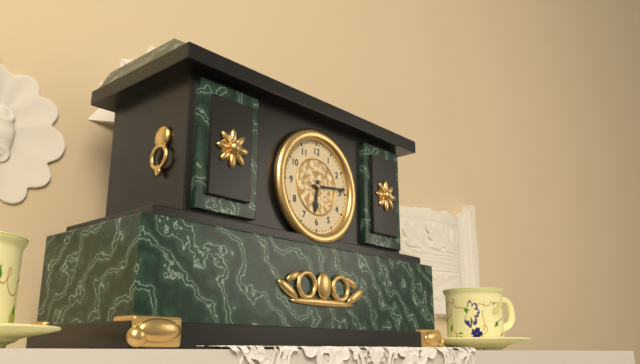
6:14
